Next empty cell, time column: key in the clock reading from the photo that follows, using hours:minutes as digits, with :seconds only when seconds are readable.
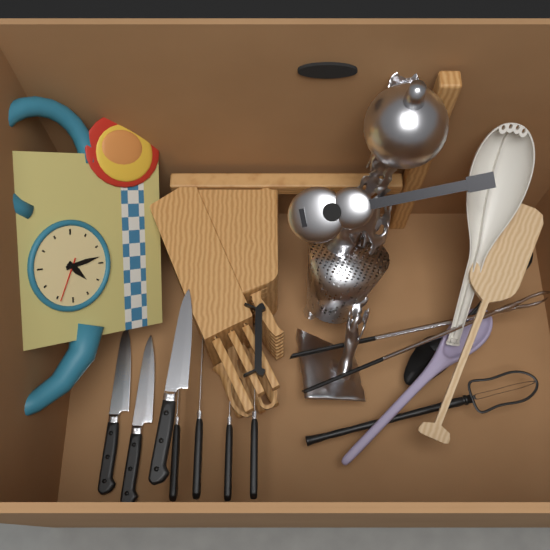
7:28
